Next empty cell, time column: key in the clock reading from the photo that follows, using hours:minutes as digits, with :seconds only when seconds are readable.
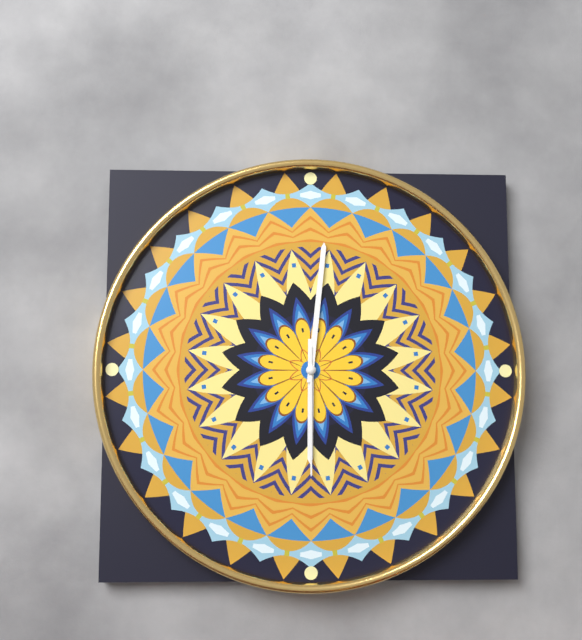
6:01:30
